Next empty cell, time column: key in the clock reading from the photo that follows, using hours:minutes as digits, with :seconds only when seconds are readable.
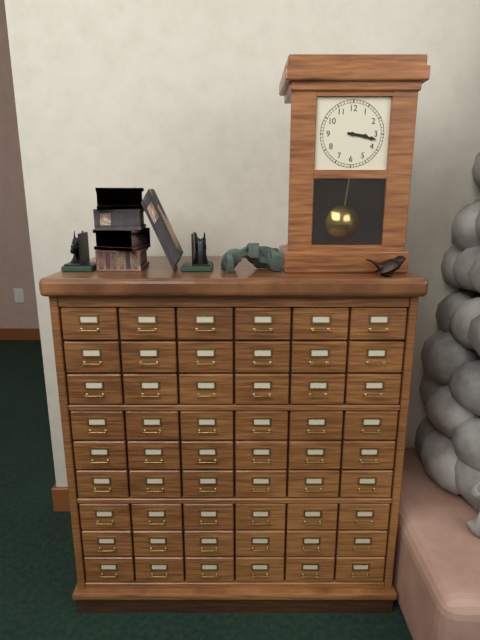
3:17
